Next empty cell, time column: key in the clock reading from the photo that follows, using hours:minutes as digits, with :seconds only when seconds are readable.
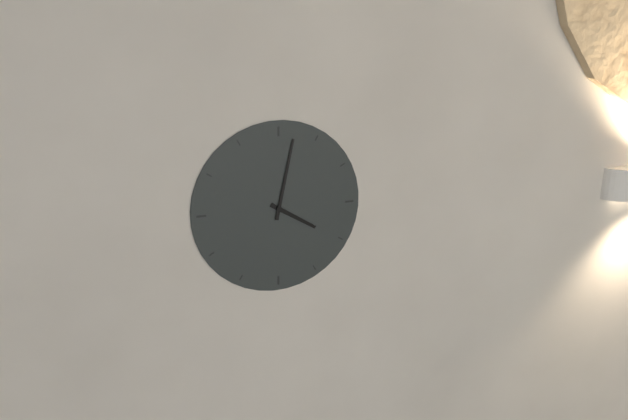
4:02
